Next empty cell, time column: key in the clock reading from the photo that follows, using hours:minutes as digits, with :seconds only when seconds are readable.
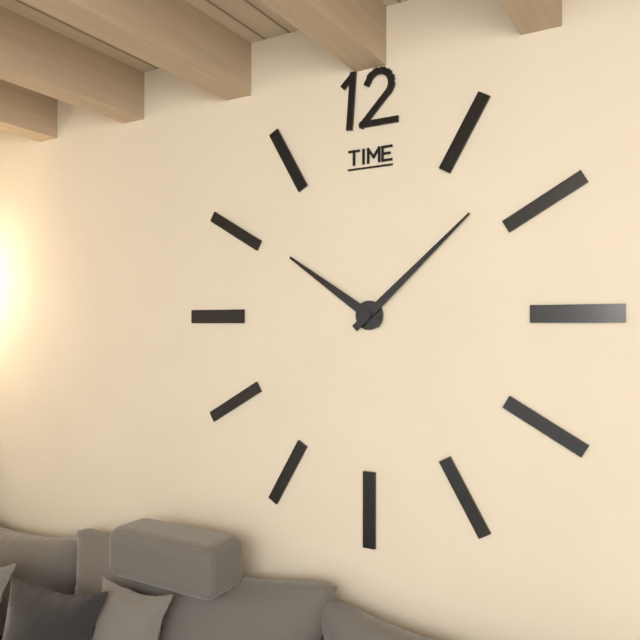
10:08
